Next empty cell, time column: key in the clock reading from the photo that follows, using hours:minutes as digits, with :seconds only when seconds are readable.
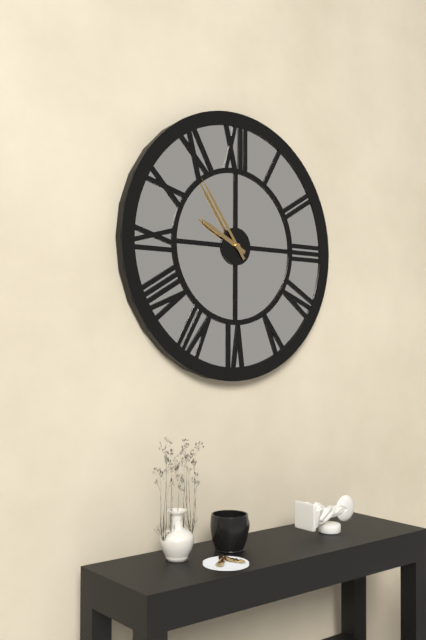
9:54
